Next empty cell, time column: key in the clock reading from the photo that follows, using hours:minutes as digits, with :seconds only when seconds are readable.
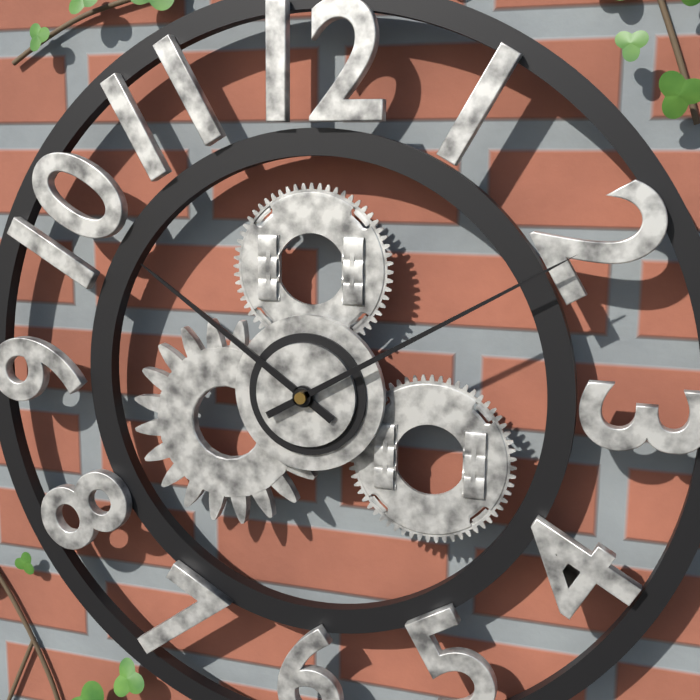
10:10
